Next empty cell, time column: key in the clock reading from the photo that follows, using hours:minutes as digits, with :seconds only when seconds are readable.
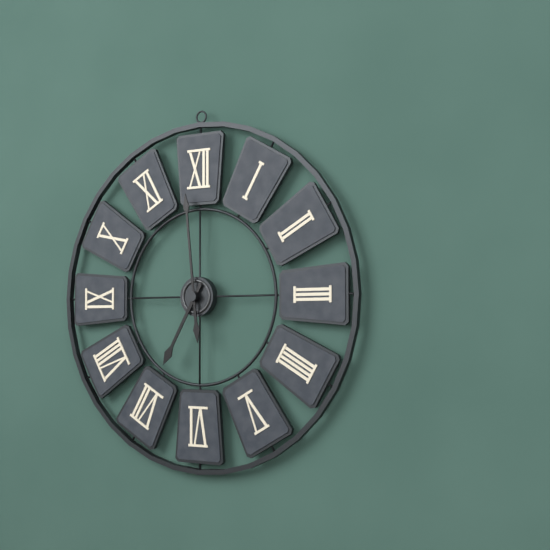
6:59
